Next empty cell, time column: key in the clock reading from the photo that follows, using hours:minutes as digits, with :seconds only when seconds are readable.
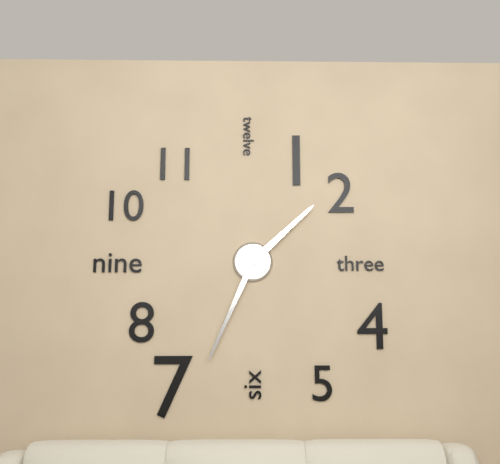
1:34
